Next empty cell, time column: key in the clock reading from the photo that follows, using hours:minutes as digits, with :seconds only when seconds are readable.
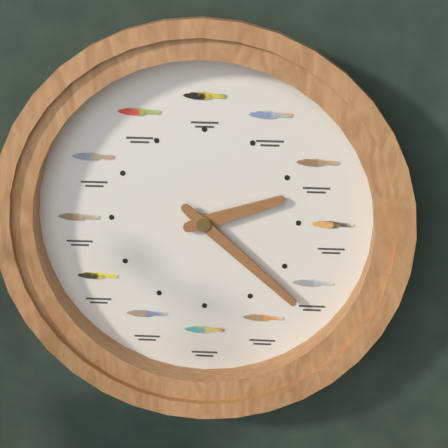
2:22
